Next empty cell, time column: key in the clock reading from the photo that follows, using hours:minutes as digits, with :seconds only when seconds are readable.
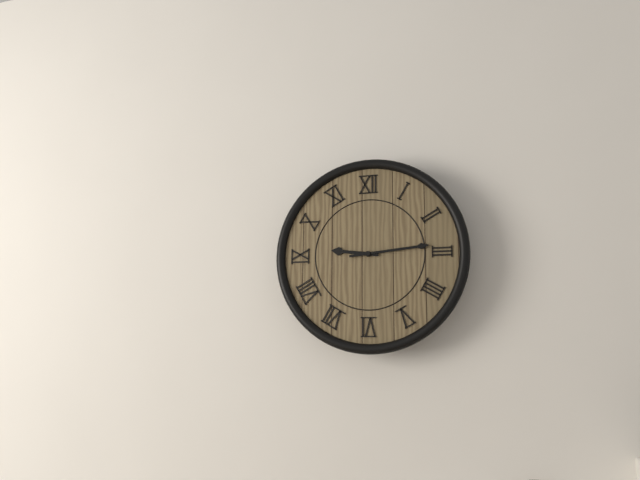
9:14
